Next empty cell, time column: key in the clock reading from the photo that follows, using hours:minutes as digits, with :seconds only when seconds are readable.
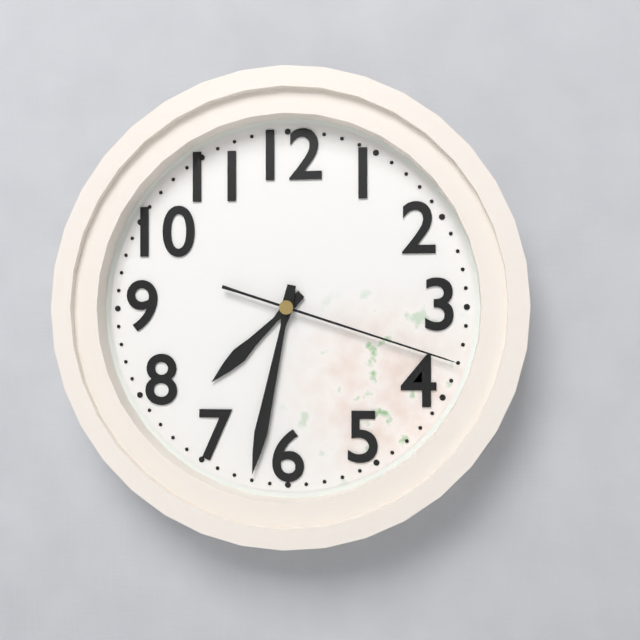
7:32:18
